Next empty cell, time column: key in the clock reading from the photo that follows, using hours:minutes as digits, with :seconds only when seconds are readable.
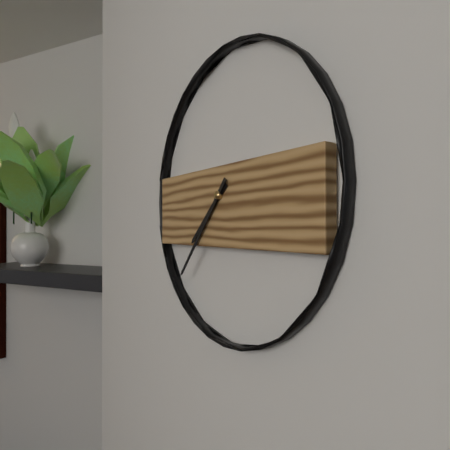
7:37
